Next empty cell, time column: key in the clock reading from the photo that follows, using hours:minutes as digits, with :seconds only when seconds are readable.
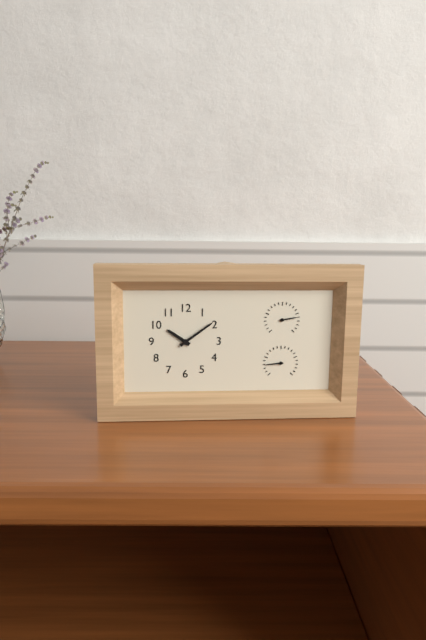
10:09
